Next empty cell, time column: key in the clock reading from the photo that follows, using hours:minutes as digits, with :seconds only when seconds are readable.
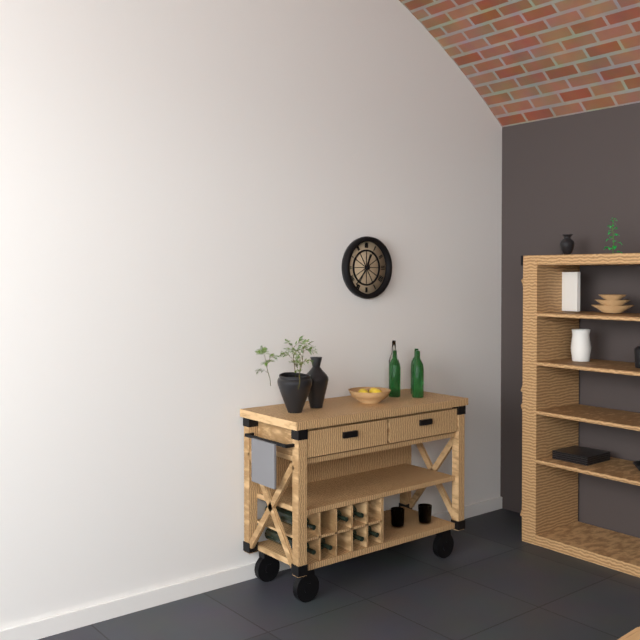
12:37
